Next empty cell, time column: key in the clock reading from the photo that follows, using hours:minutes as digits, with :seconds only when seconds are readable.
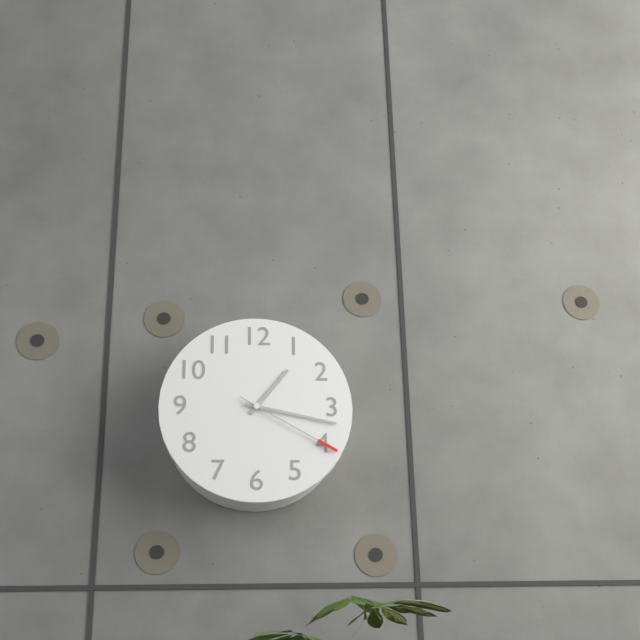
1:17:20
